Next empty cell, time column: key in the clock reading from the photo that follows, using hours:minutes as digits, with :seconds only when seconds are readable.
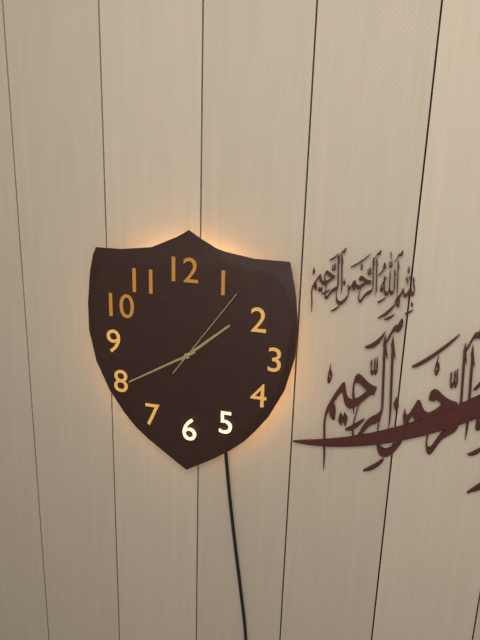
1:40:06
